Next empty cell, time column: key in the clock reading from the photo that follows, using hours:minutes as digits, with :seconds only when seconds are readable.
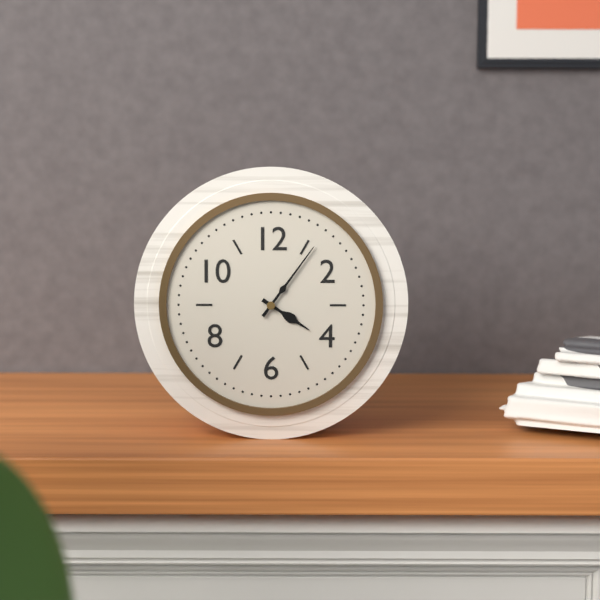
4:06
